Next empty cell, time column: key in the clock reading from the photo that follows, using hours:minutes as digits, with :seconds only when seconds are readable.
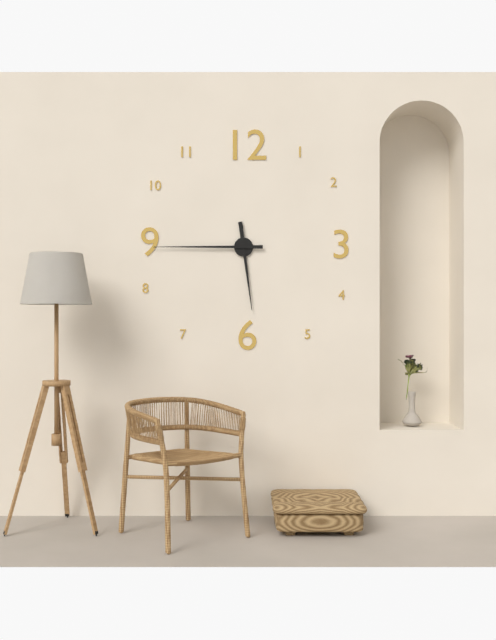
5:45
